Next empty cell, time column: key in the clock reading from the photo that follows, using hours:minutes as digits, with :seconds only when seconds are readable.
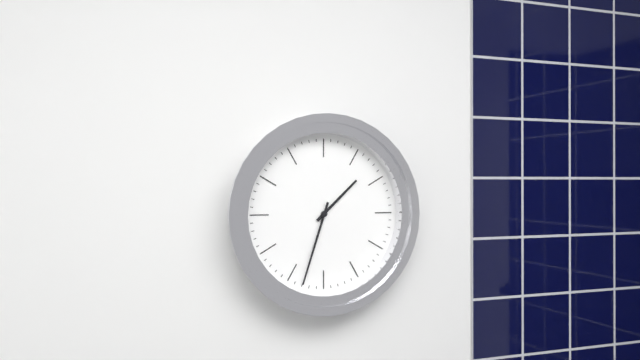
1:33
